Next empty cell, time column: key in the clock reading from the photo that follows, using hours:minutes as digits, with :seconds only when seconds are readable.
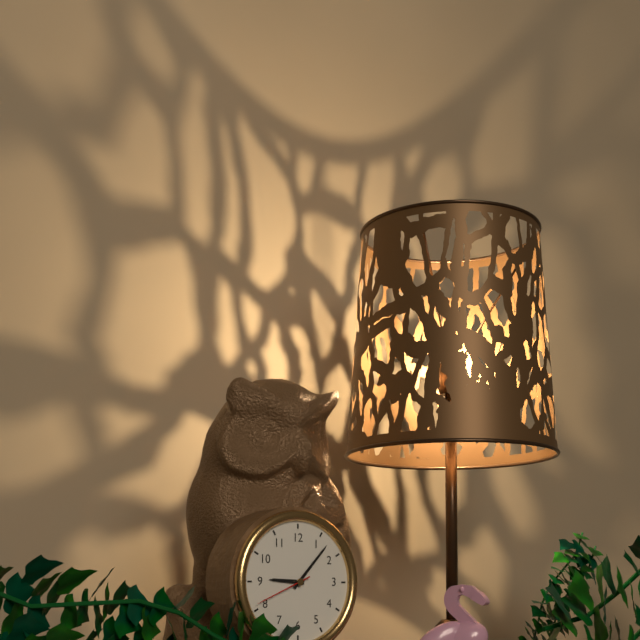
9:07
